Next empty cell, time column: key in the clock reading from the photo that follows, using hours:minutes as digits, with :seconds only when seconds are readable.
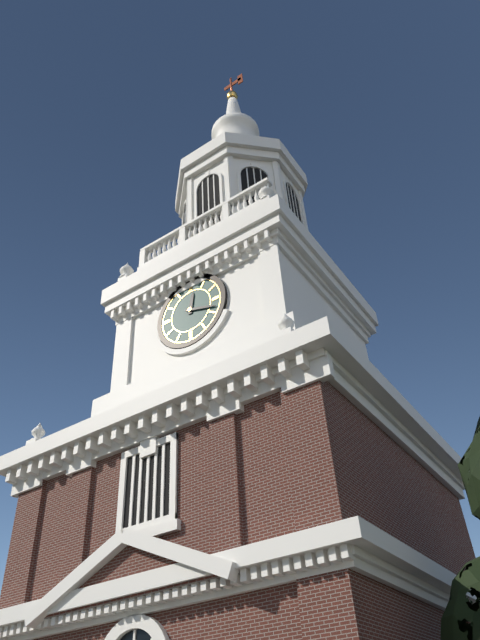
12:18
